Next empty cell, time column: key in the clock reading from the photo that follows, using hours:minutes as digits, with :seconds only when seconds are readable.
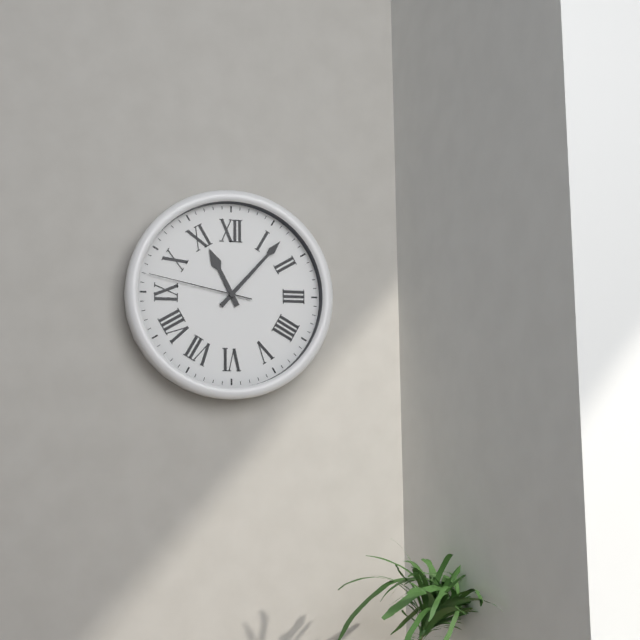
11:07:47
